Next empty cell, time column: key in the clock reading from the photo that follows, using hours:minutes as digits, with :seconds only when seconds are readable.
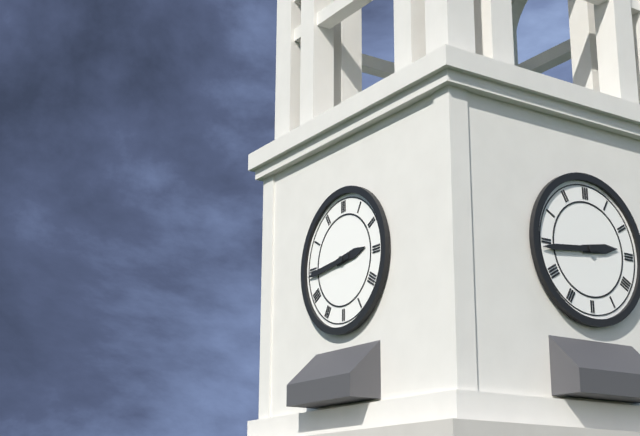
2:44
